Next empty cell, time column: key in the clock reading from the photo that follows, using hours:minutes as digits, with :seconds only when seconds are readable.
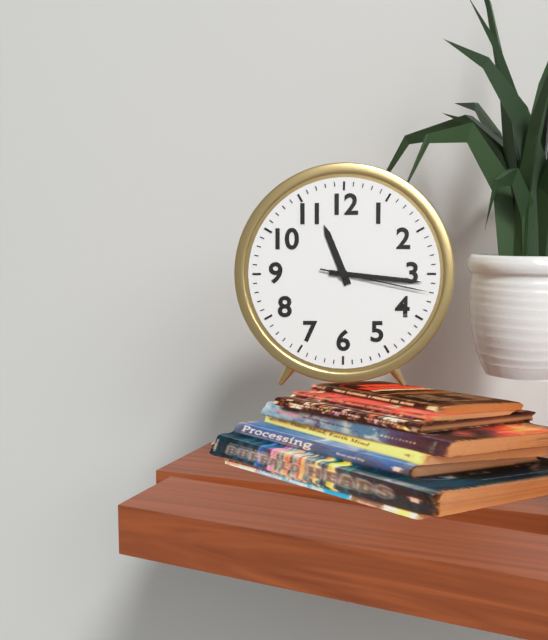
11:16:17
